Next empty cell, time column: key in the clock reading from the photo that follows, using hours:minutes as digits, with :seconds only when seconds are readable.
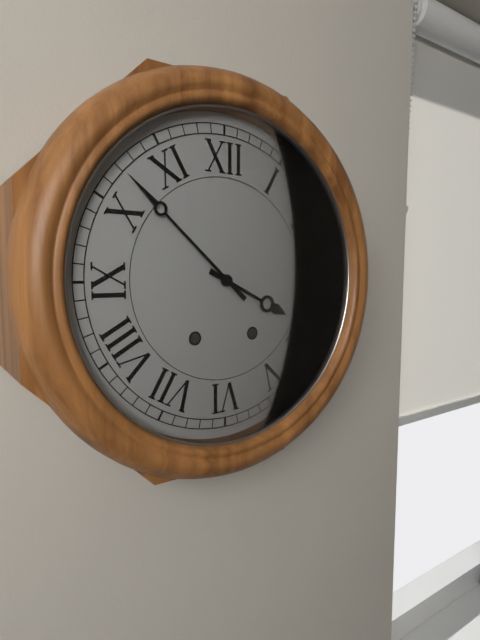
3:52
